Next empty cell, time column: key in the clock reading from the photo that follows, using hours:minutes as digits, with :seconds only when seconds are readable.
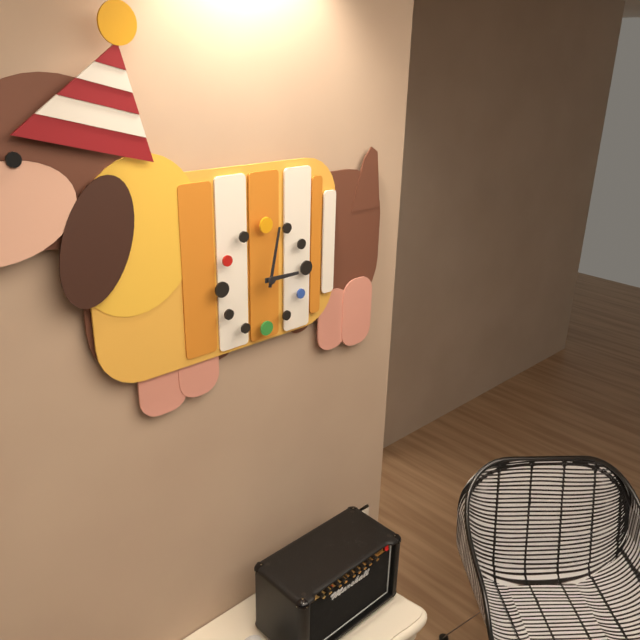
3:02
